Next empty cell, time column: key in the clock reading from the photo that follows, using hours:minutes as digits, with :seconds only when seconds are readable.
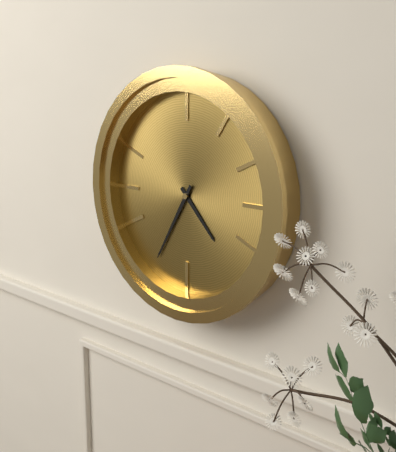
4:35
